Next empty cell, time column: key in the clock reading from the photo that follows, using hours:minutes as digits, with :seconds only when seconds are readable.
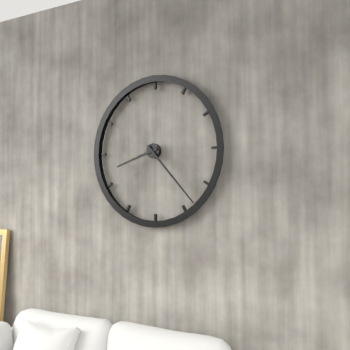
8:23
